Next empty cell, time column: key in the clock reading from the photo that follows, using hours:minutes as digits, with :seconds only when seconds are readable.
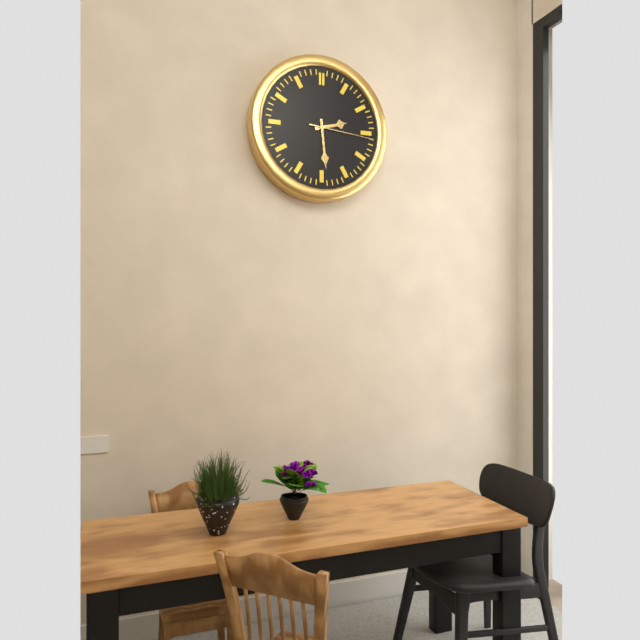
2:29:16
